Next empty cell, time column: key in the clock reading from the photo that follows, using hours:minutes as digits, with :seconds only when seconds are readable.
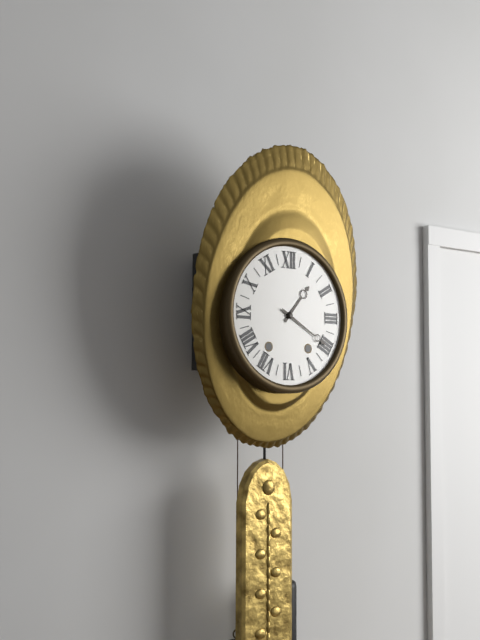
1:20
